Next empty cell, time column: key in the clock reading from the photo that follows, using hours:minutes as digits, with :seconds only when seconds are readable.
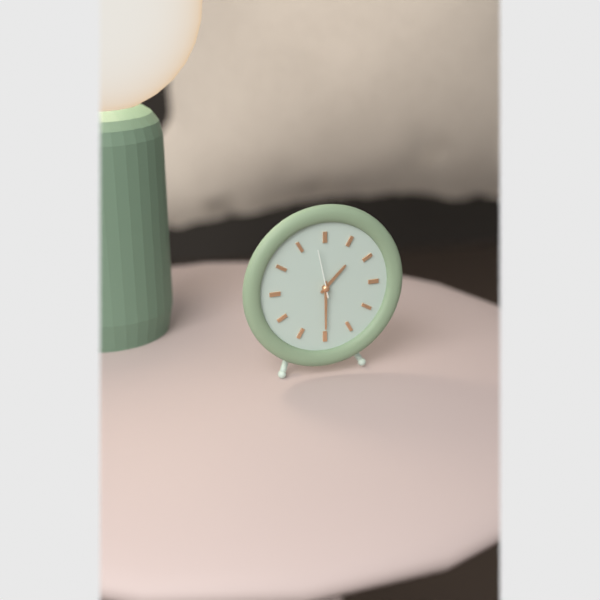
1:30:58
